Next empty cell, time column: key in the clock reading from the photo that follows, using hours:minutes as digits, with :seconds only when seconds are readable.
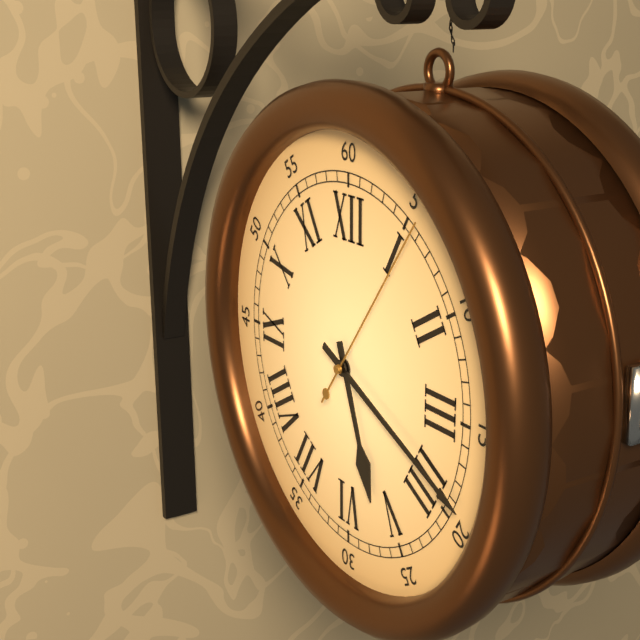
5:19:06
